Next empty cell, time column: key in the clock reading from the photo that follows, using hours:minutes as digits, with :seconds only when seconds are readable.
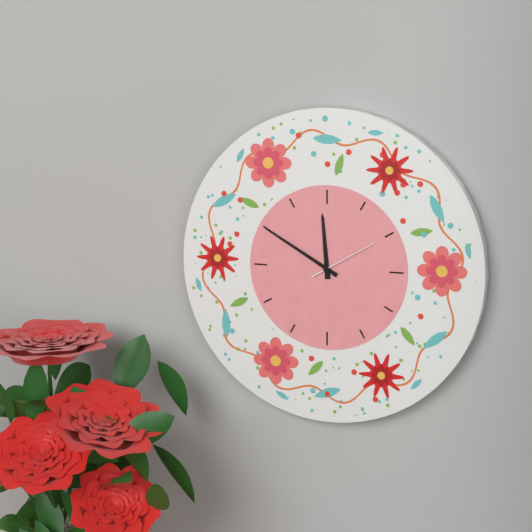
11:50:10
